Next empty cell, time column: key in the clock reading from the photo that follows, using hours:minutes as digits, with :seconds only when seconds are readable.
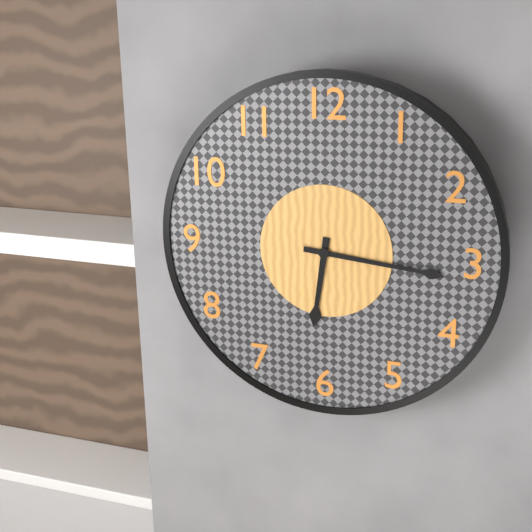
6:16
